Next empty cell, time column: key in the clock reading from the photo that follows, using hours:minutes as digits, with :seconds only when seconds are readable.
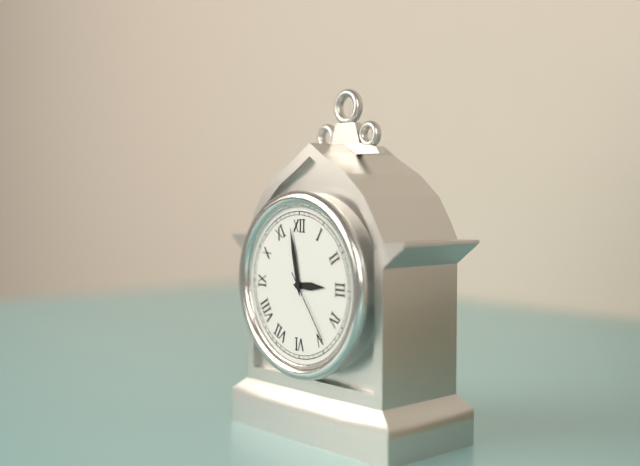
2:58:24
